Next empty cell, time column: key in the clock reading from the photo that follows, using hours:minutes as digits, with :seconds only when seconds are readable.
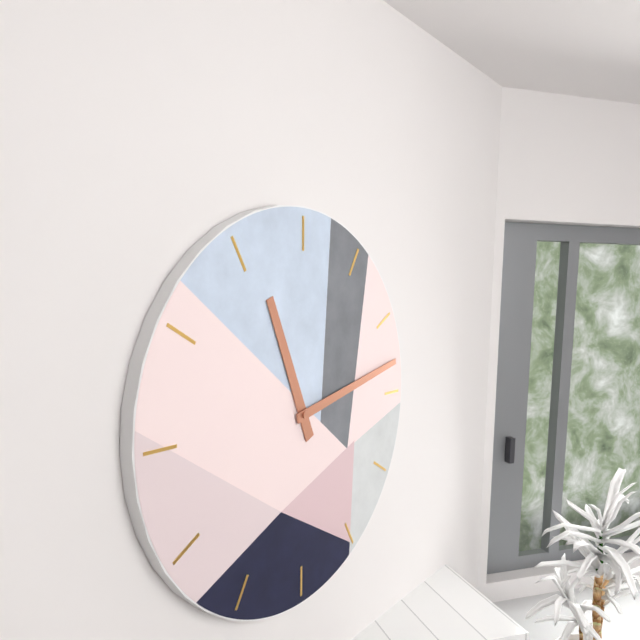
11:13
